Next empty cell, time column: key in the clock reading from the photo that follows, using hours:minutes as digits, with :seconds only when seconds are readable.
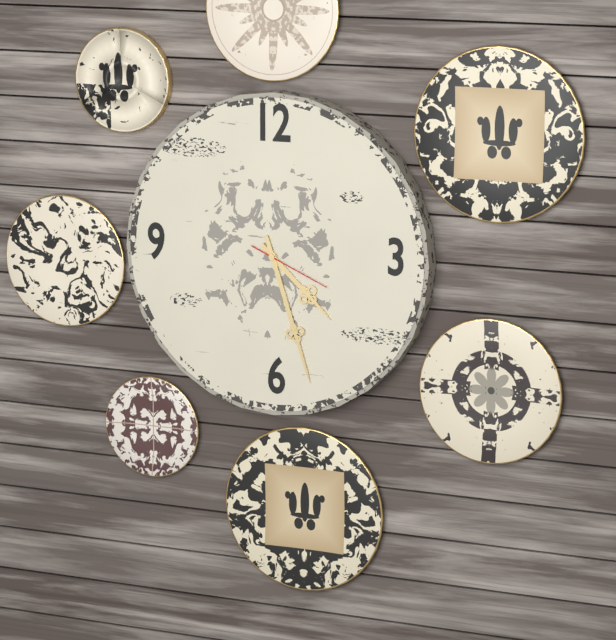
4:27:19
